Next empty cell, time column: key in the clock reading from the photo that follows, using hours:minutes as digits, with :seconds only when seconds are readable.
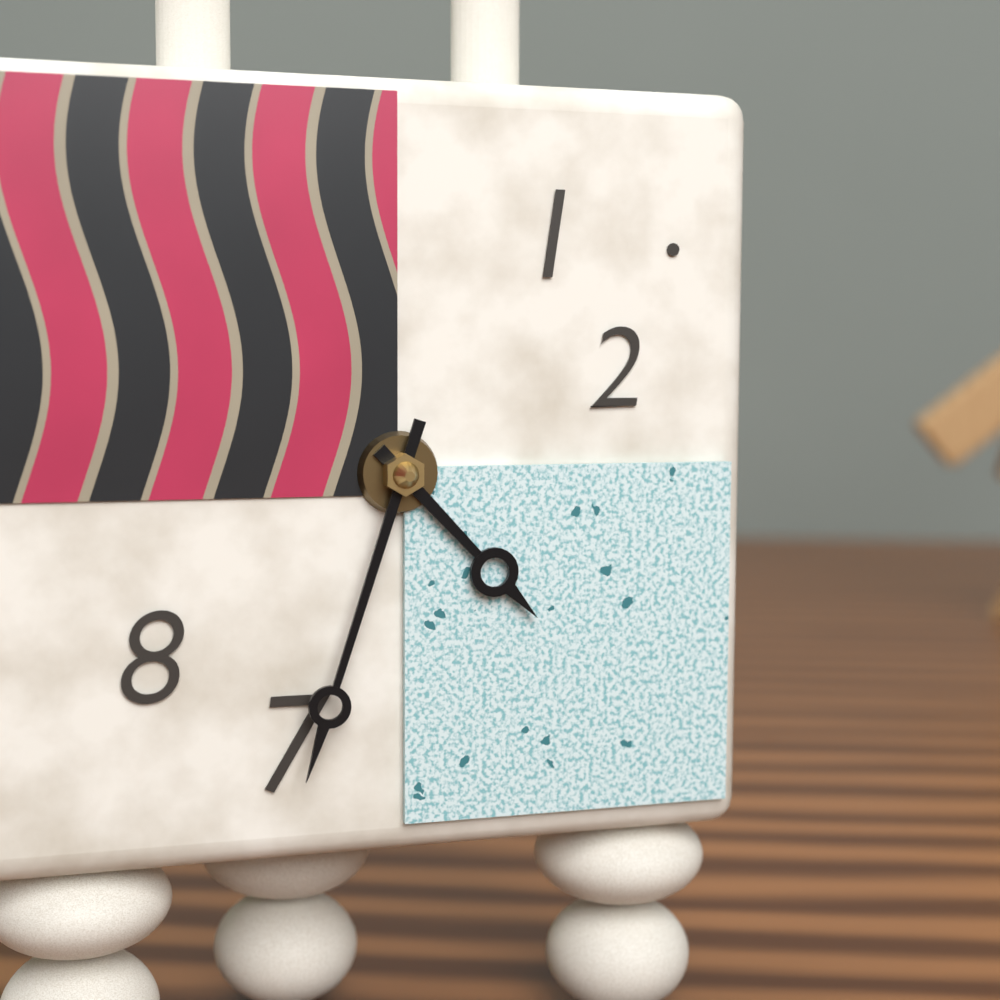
4:33
